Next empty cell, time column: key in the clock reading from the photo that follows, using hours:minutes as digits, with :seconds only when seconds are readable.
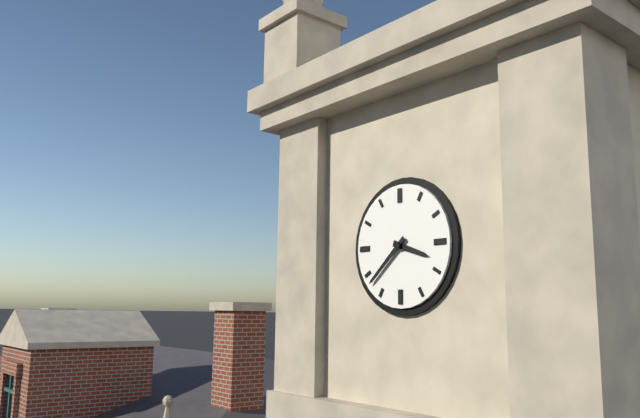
3:38
